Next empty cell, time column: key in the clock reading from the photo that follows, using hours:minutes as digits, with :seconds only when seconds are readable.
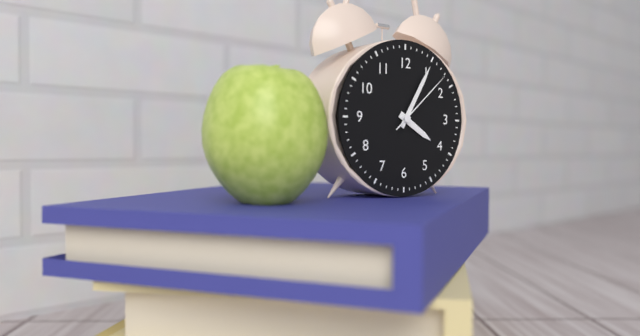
4:05:08
